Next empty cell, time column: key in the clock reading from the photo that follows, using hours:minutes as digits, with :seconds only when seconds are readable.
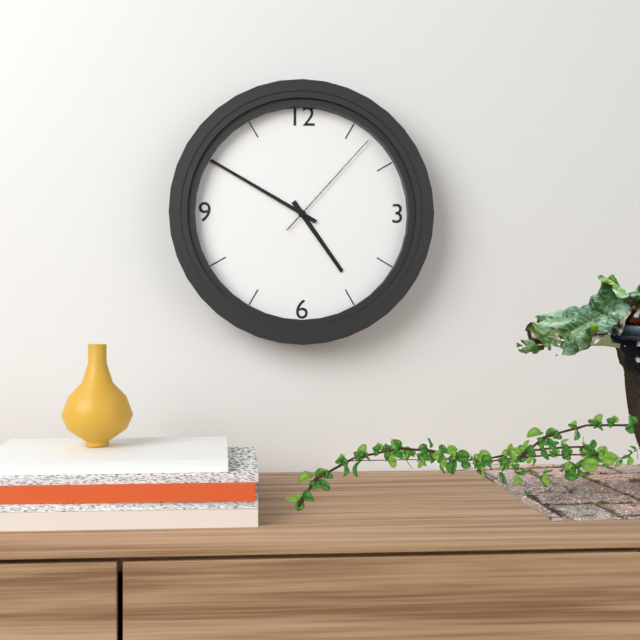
4:50:07
